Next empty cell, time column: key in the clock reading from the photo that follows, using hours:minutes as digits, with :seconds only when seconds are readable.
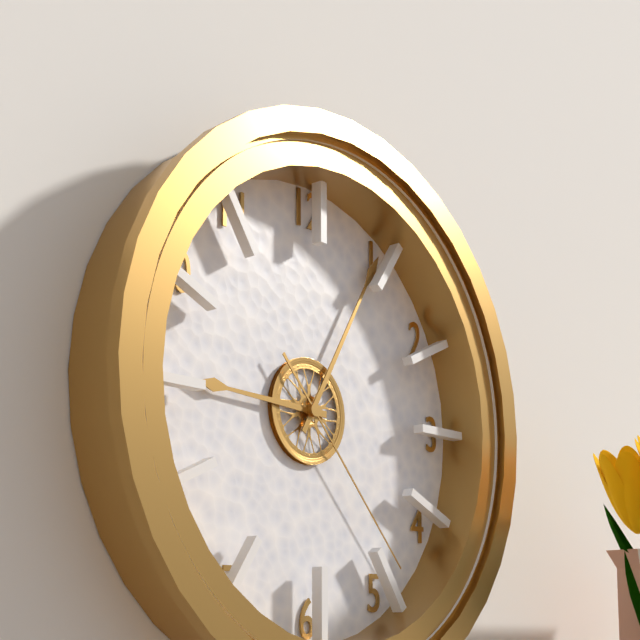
9:05:23
